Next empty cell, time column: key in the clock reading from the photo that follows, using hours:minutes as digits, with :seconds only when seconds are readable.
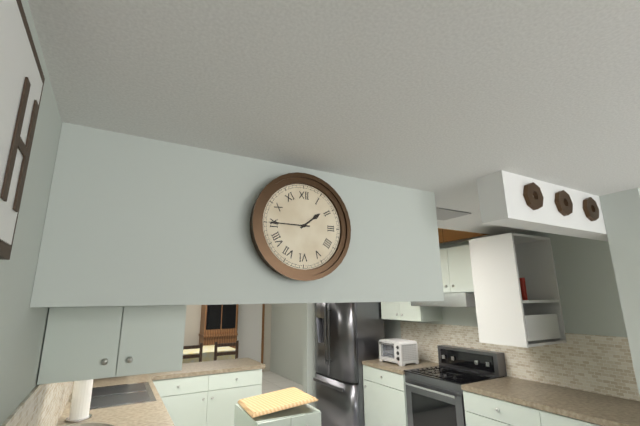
1:45
